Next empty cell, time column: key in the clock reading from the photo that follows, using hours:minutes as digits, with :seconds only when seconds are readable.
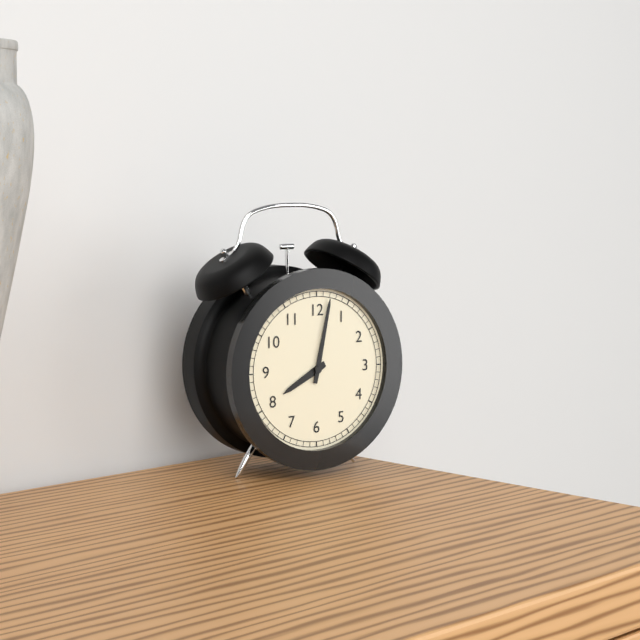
8:02
